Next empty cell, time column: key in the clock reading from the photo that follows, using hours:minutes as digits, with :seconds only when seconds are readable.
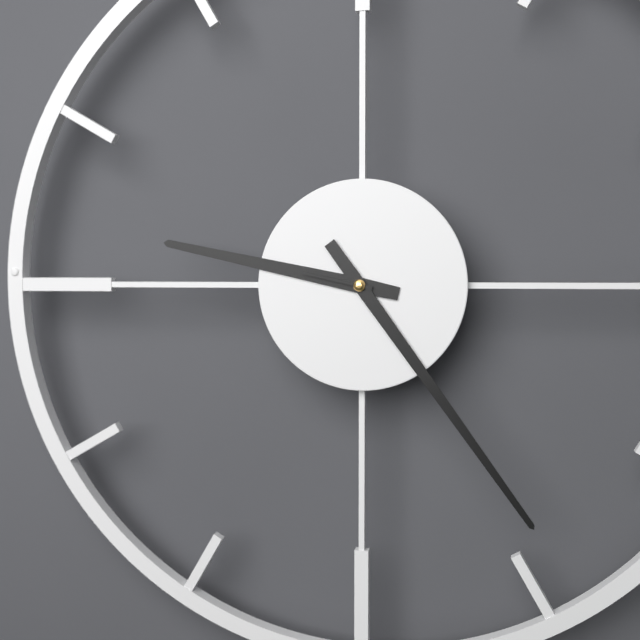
9:24:47
